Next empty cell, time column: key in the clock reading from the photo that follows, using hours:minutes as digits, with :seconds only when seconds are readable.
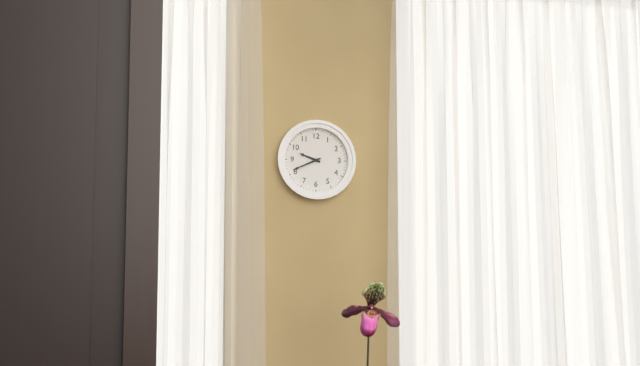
9:41
